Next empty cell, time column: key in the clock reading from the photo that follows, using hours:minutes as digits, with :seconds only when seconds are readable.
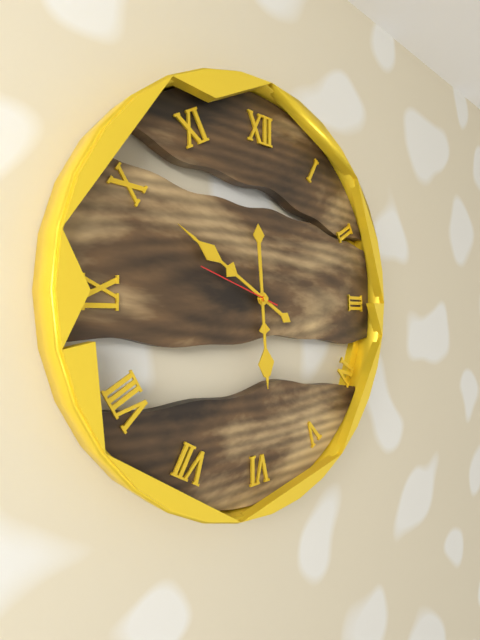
5:50:48
